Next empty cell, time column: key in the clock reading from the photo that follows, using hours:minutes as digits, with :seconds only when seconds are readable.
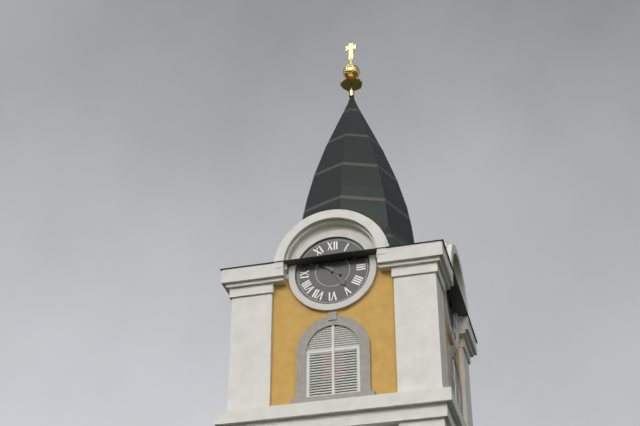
4:51
